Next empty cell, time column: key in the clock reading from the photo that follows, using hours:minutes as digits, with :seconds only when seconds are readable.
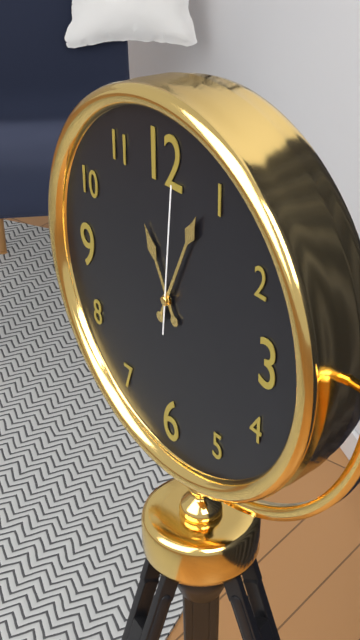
11:04:01
